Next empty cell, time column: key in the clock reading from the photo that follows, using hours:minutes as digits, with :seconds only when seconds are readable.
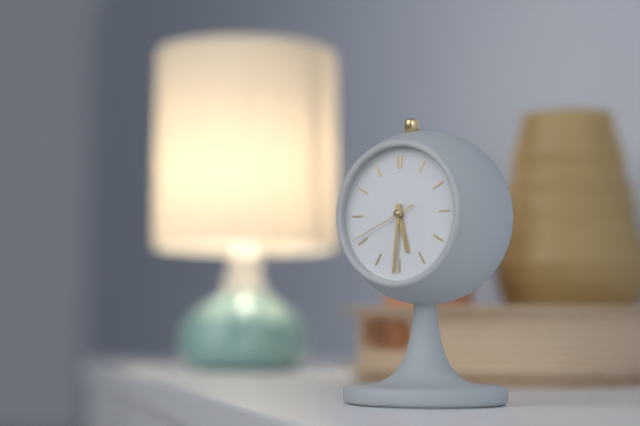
5:31:41
